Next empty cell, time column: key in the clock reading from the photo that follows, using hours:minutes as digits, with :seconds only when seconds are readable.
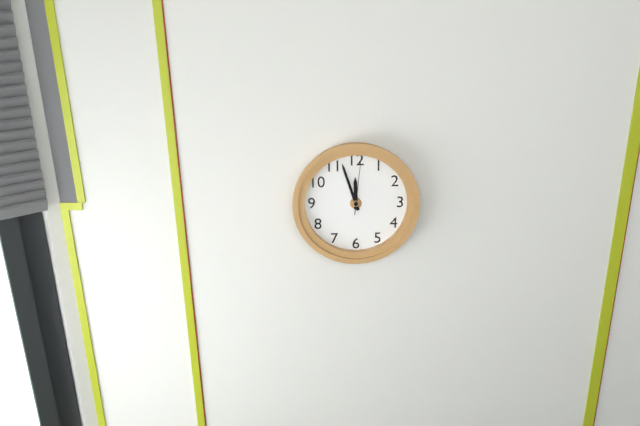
11:57:01
